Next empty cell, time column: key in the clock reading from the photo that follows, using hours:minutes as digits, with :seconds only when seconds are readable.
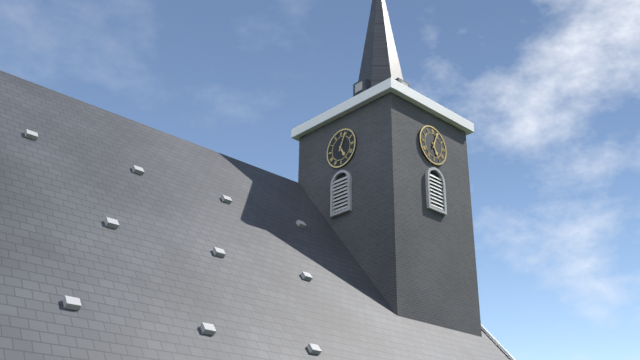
5:04
